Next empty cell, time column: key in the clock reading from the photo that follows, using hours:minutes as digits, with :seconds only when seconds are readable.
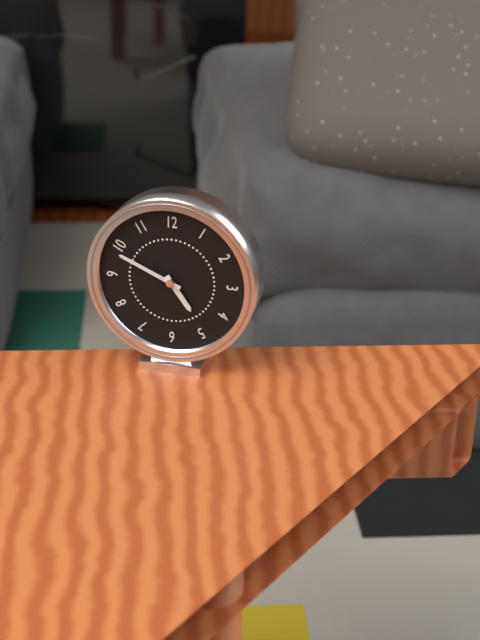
4:49
